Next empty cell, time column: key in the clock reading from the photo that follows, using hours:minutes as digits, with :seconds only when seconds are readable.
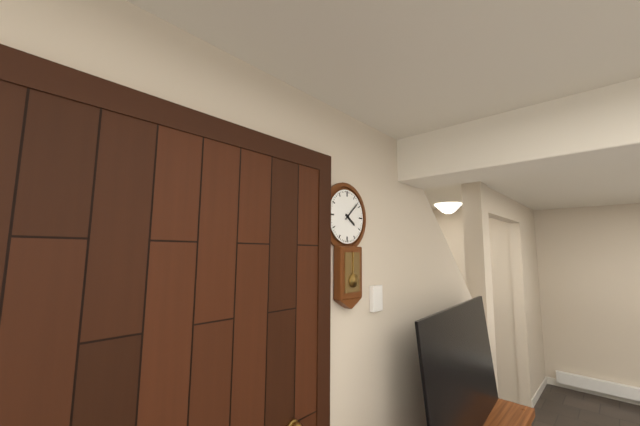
4:08
